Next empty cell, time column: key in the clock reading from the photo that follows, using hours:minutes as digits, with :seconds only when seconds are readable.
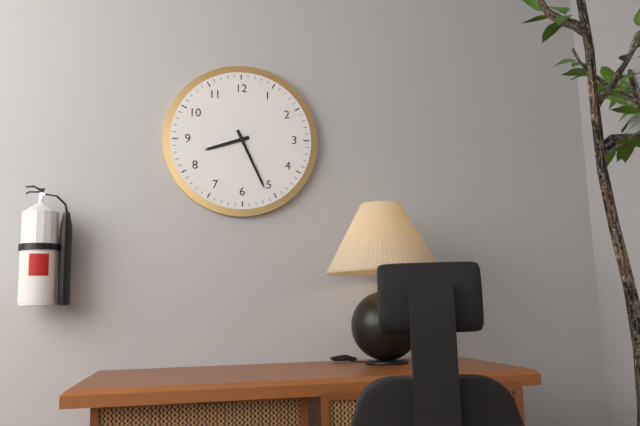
8:26
